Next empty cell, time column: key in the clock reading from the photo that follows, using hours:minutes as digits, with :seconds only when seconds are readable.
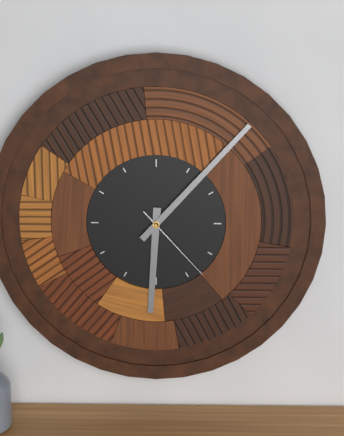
6:07:23
